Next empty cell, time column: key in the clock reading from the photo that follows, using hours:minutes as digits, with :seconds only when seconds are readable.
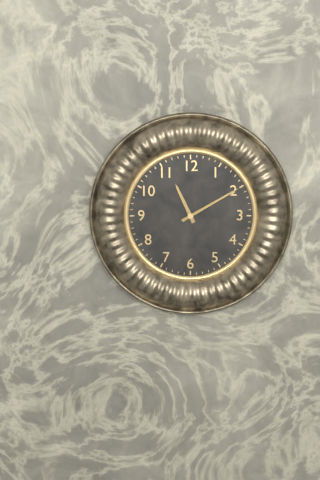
11:10
